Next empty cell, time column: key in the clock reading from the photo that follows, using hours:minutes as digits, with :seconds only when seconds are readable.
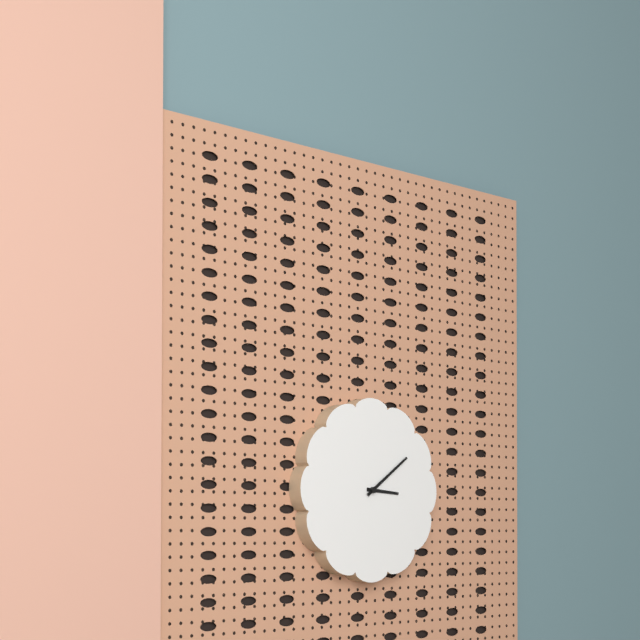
3:09
